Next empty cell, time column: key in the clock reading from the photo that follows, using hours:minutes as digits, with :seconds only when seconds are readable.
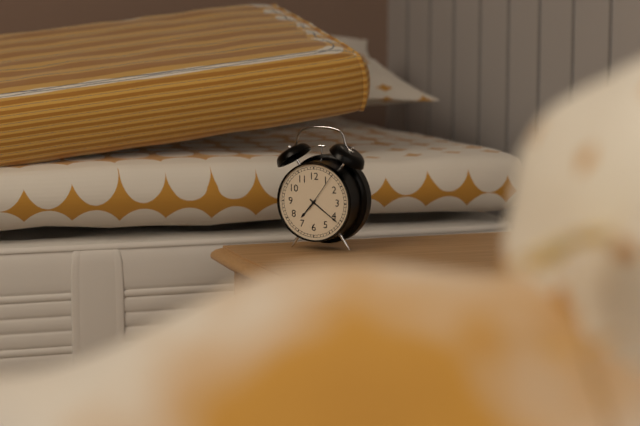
7:21
